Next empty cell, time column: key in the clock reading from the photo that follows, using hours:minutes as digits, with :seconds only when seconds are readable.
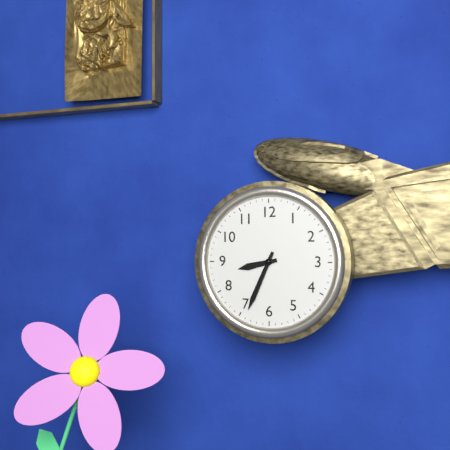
8:34
